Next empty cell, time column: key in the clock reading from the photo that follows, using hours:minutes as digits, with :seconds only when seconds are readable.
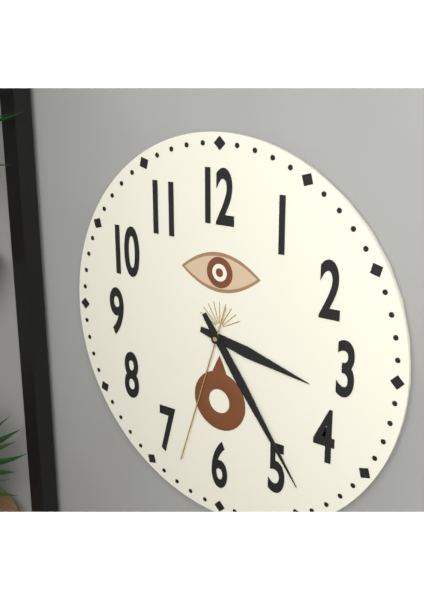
3:24:33
